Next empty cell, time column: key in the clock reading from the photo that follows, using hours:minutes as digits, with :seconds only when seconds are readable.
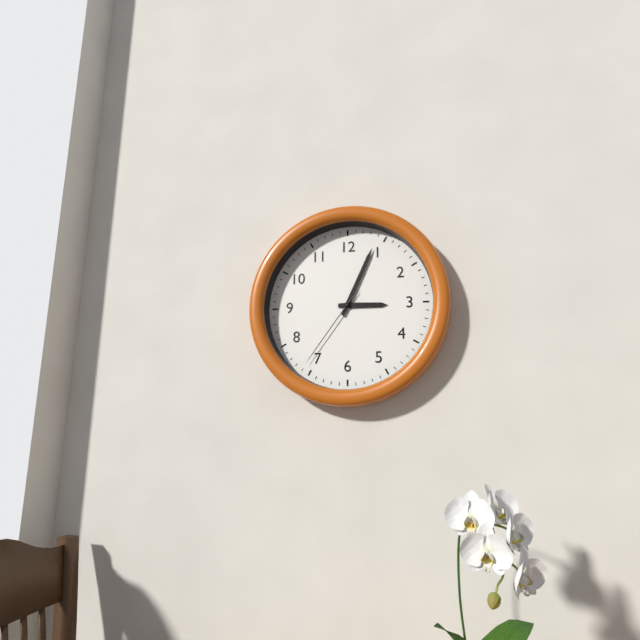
3:04:36
